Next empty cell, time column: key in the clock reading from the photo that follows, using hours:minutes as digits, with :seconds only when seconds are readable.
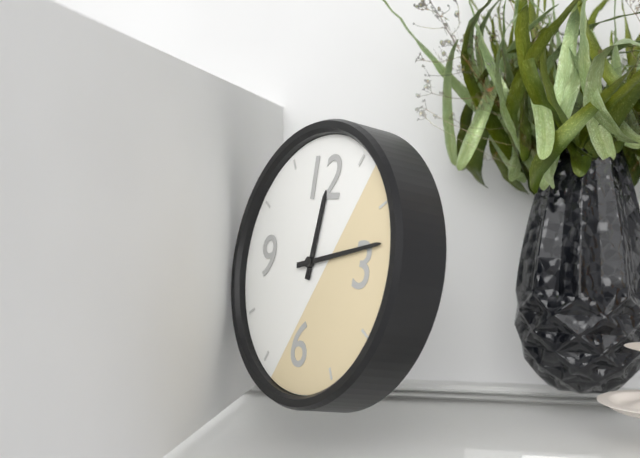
12:13
